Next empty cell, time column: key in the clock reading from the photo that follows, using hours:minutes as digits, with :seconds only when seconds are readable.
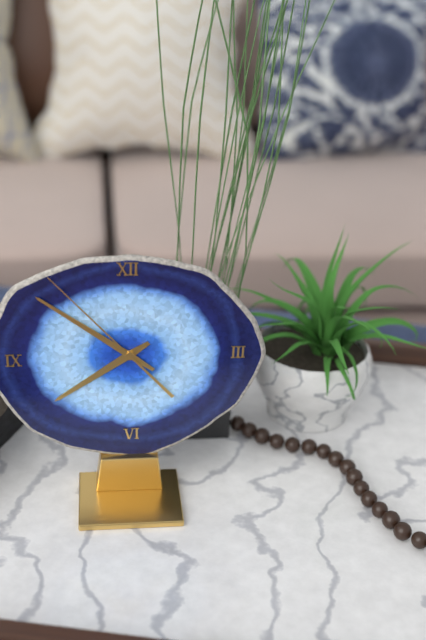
7:51:53
